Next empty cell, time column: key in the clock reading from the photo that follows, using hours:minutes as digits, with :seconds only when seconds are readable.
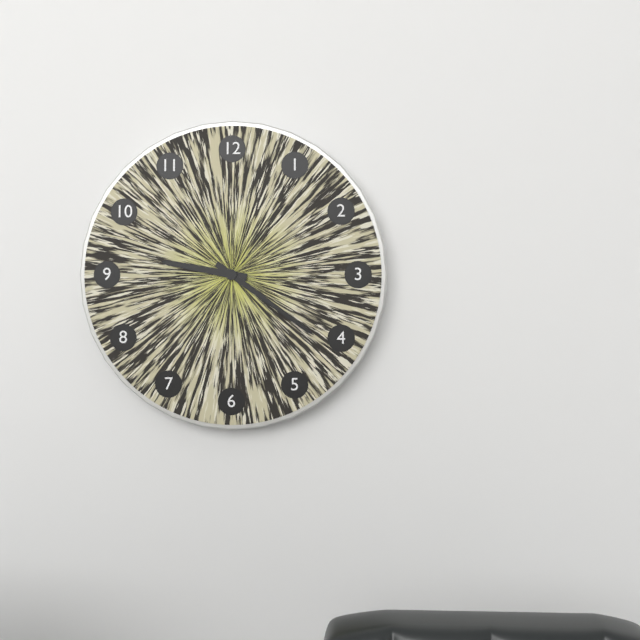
9:21
